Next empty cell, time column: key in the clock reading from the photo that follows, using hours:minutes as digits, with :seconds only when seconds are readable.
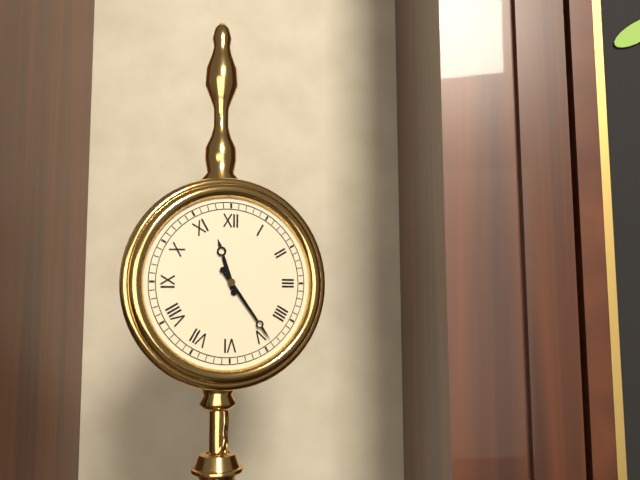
11:24
